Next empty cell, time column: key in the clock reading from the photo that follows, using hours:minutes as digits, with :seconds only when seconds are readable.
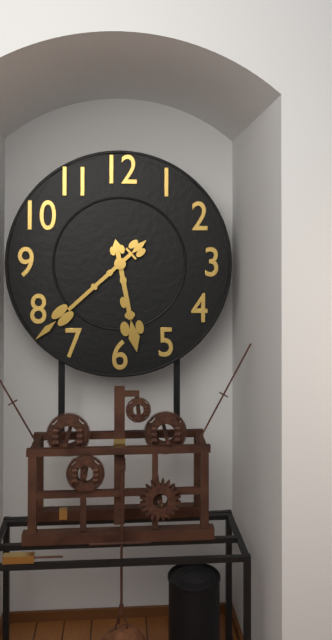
5:38
